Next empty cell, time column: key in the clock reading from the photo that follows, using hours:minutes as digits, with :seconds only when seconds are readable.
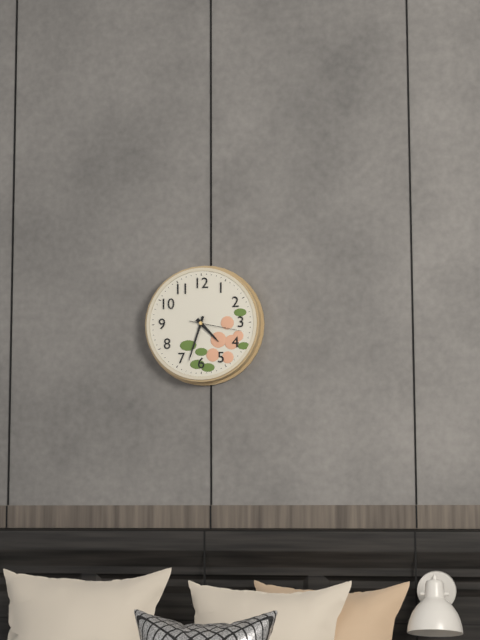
4:33:17
